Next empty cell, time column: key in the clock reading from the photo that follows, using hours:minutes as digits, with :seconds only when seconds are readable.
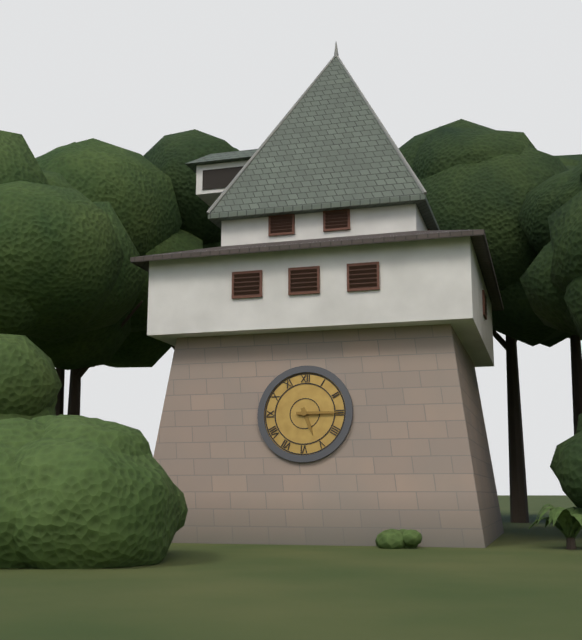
5:15
